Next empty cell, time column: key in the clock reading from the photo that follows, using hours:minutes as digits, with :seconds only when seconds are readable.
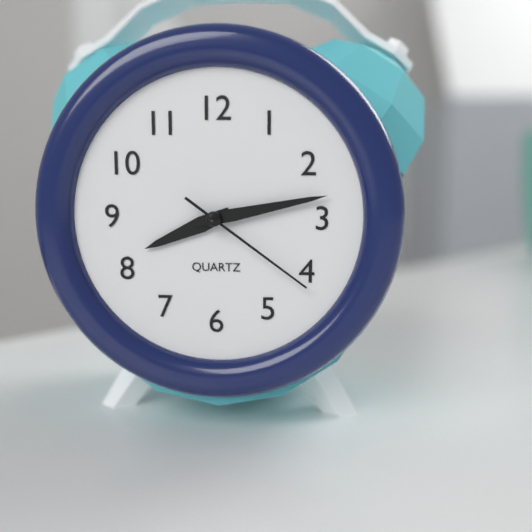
8:13:21
